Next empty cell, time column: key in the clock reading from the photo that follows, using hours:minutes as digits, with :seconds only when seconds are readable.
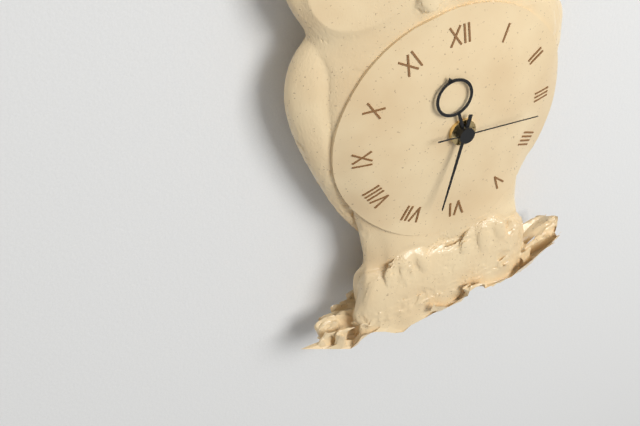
11:33:16
